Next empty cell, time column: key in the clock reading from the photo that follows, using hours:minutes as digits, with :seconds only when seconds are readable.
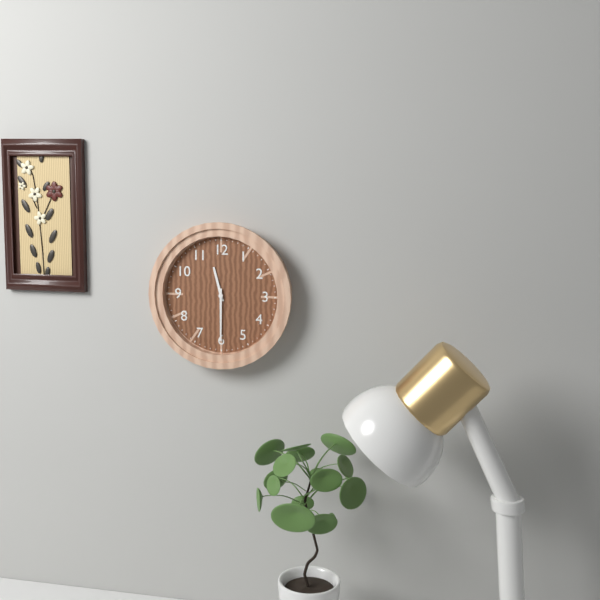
11:30
